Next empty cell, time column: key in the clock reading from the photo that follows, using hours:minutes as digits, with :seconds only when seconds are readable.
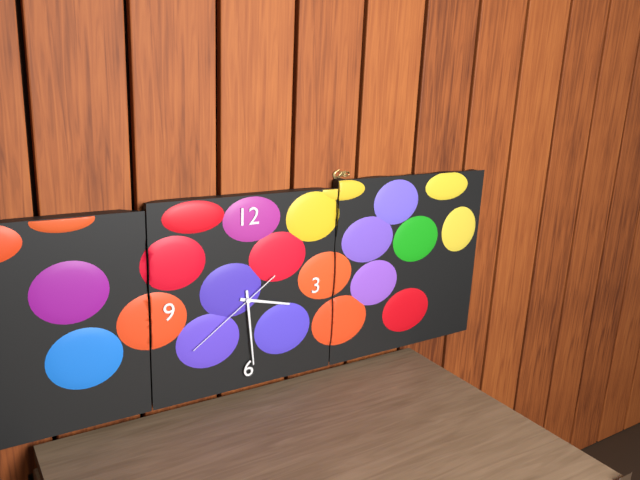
3:29:39
